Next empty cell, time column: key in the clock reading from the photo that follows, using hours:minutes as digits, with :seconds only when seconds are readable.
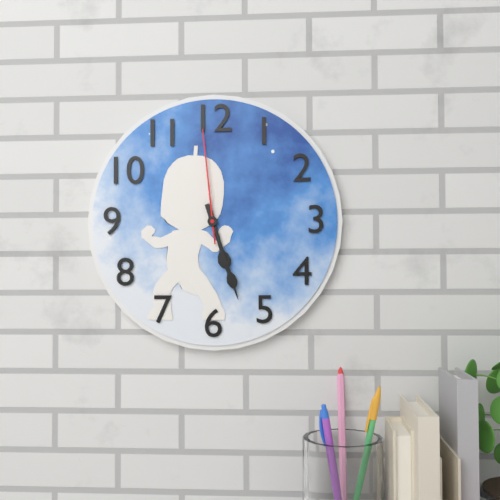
5:27:59
